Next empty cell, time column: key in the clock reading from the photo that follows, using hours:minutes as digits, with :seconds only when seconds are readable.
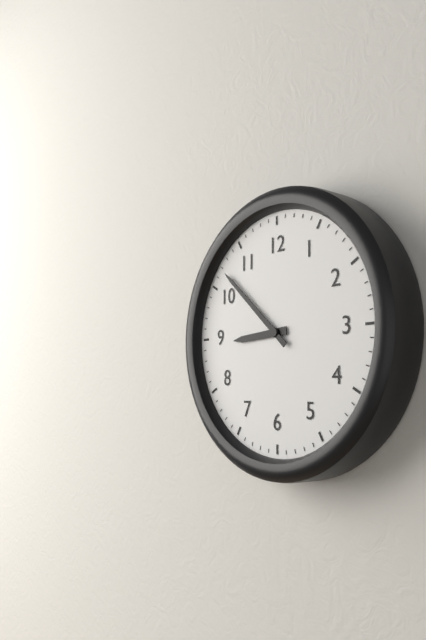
8:52
